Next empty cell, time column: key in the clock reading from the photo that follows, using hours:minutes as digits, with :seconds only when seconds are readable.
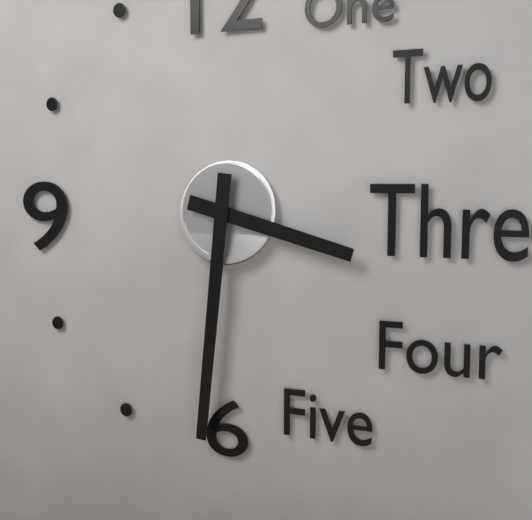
3:31
